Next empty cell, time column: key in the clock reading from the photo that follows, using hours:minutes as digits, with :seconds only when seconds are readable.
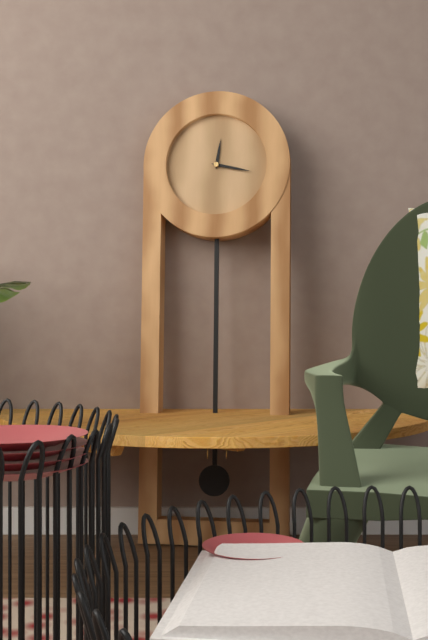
12:17
